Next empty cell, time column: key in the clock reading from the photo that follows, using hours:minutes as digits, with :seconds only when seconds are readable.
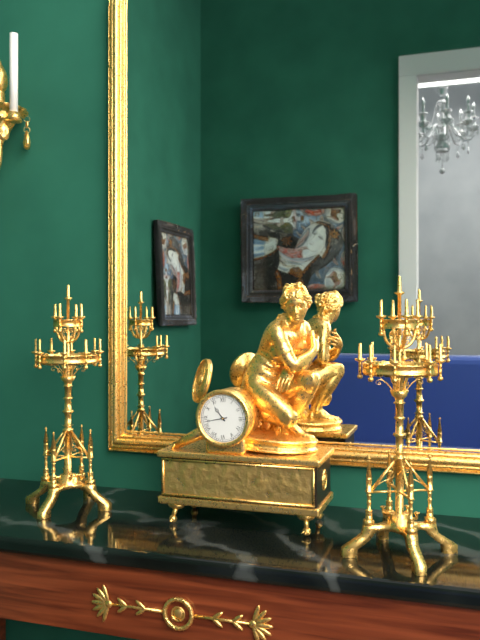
10:43
